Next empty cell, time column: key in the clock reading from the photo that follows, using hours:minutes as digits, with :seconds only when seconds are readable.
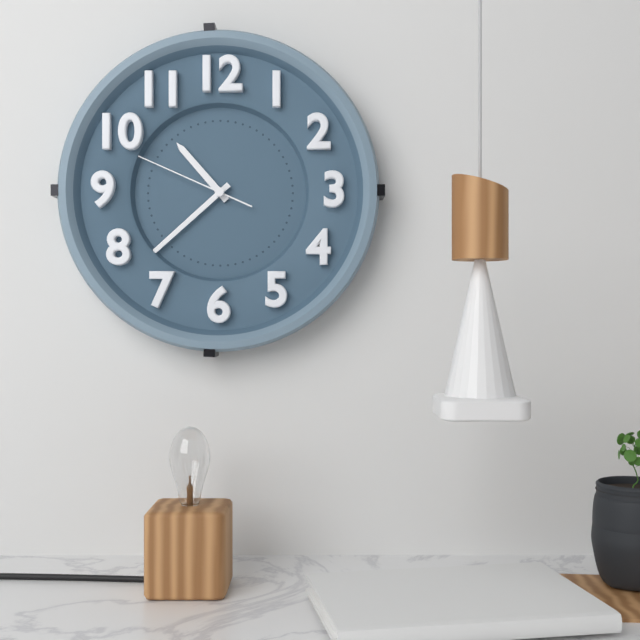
10:38:49
